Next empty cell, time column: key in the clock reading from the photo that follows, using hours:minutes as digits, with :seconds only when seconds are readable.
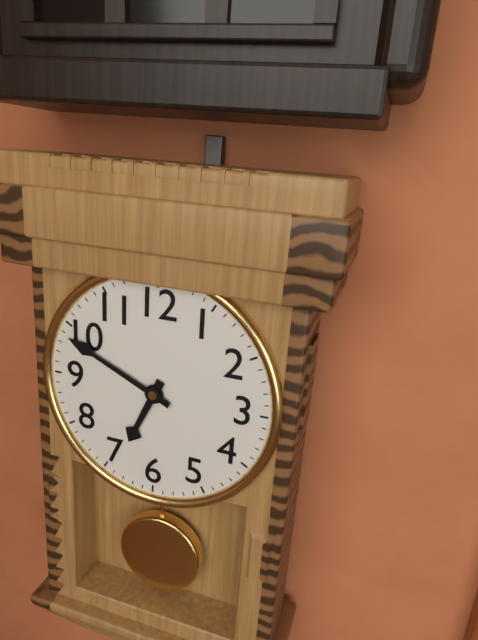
6:49
